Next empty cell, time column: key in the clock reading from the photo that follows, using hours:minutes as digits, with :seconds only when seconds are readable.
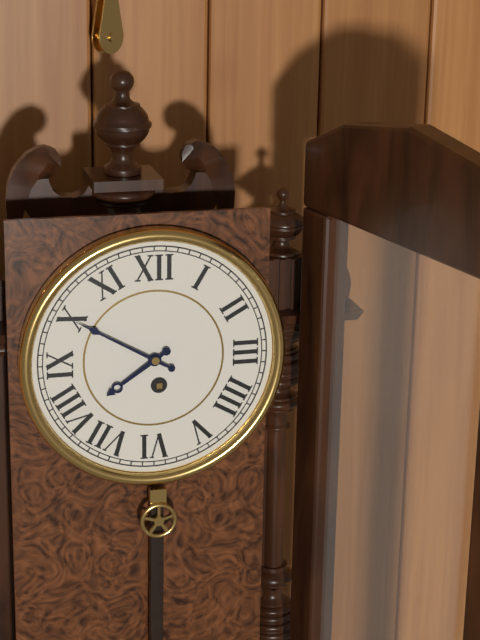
7:50
